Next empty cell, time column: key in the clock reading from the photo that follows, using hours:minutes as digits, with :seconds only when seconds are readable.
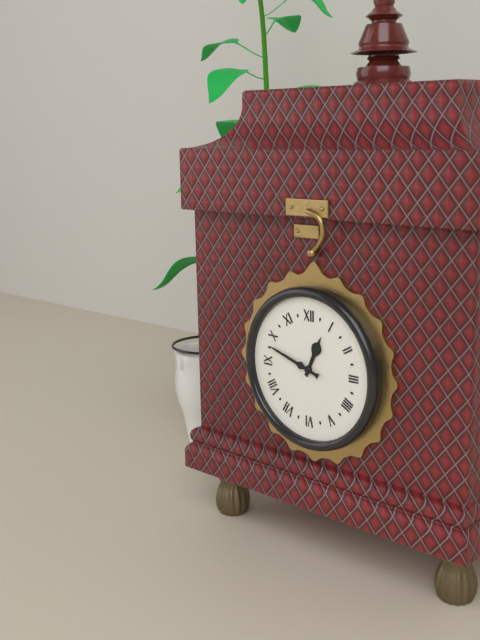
12:48
